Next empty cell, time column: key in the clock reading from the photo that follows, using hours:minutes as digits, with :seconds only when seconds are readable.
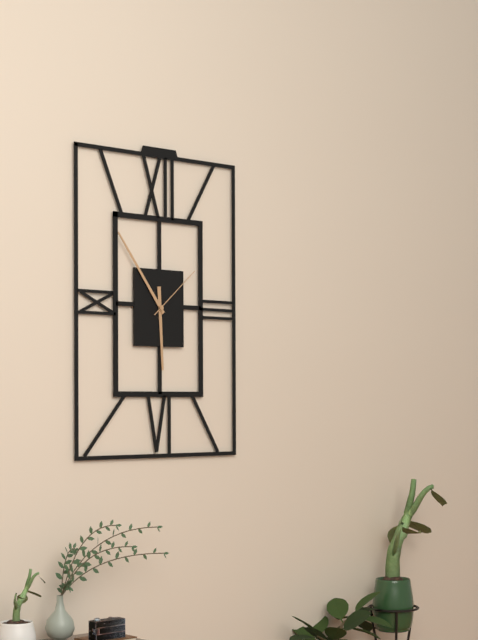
5:54:08
